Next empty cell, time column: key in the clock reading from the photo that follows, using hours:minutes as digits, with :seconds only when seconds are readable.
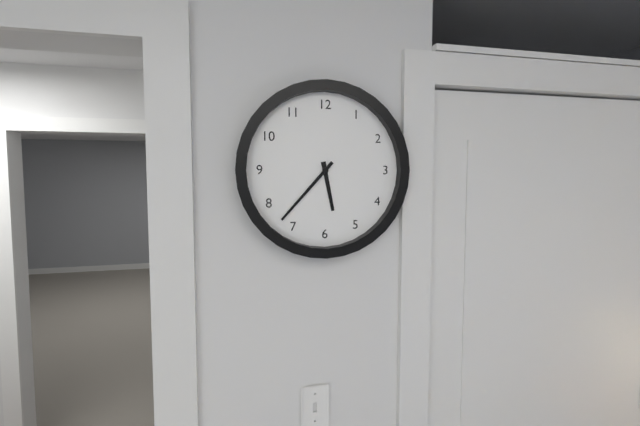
5:37
